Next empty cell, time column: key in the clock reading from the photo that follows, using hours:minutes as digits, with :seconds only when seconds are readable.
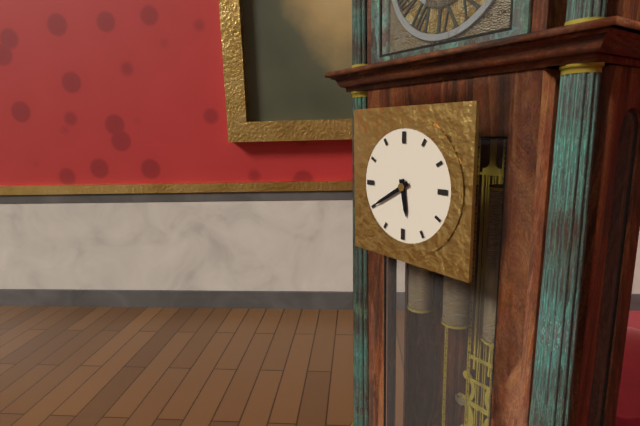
5:40
